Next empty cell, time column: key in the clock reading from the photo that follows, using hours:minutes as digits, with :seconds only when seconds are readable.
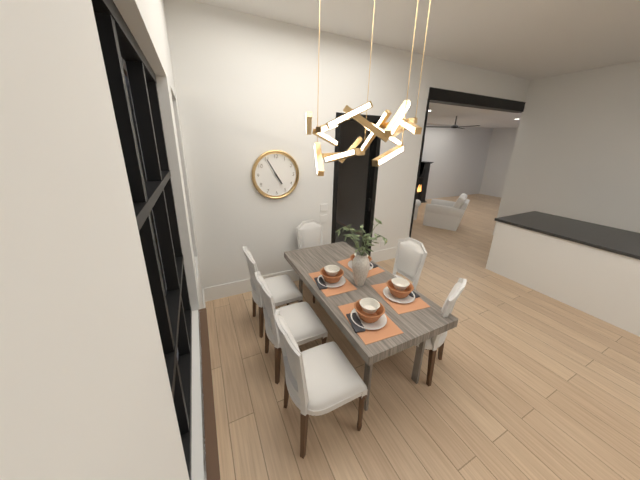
4:55
